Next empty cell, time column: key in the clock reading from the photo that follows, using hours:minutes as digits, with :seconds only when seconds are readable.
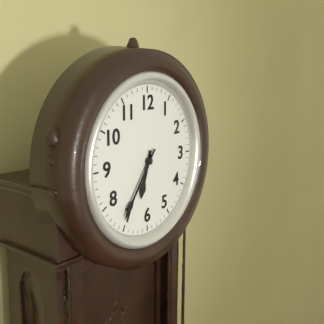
6:36
